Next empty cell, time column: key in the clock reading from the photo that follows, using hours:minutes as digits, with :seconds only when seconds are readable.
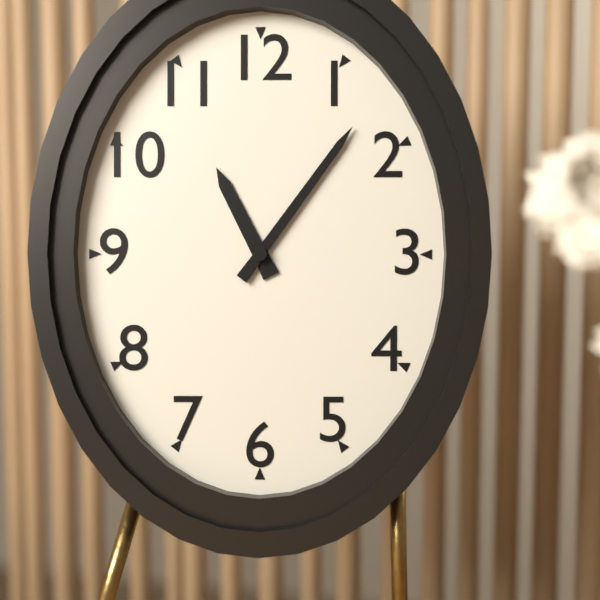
11:06
